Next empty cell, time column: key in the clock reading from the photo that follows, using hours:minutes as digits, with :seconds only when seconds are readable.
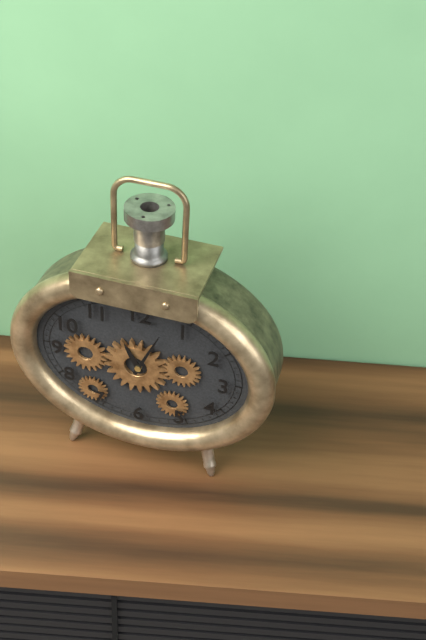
11:04
